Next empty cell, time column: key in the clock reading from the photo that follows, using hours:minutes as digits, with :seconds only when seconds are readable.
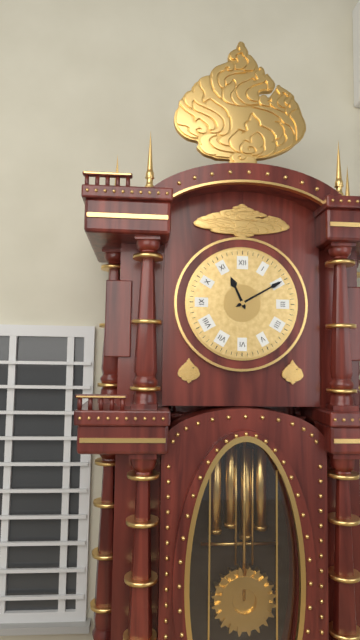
11:10
